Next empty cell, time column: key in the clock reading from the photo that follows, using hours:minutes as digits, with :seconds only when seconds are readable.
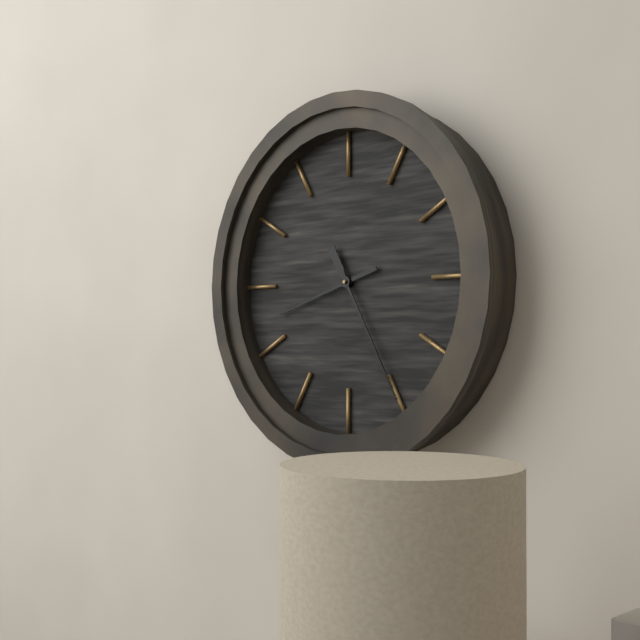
8:25
